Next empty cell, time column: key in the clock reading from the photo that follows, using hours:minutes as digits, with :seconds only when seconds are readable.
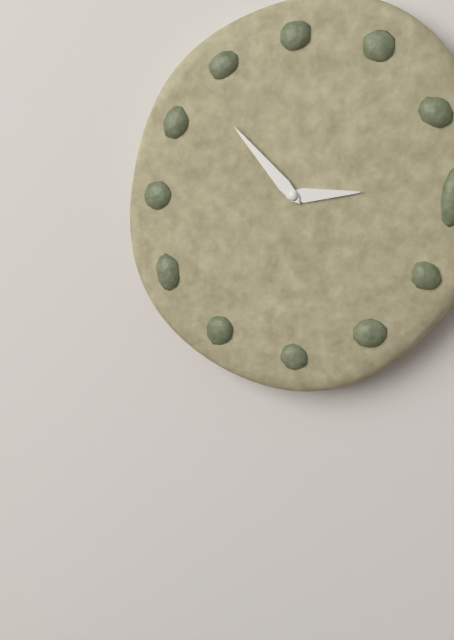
2:53
